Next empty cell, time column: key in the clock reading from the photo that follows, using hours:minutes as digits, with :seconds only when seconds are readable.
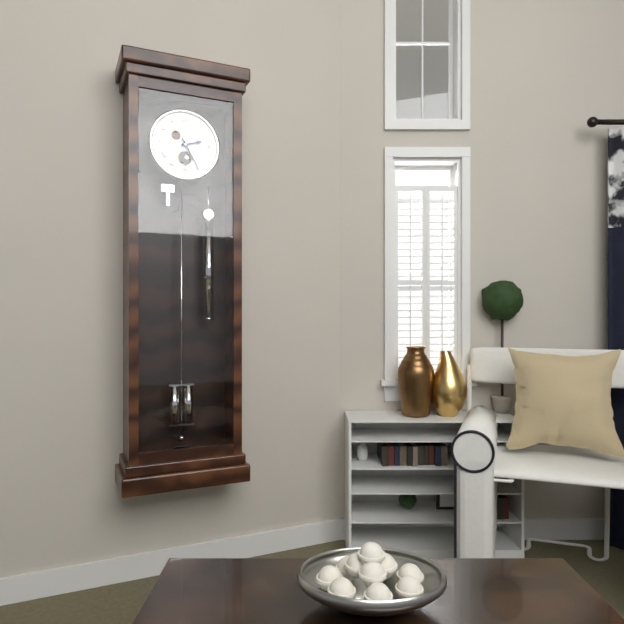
2:25
